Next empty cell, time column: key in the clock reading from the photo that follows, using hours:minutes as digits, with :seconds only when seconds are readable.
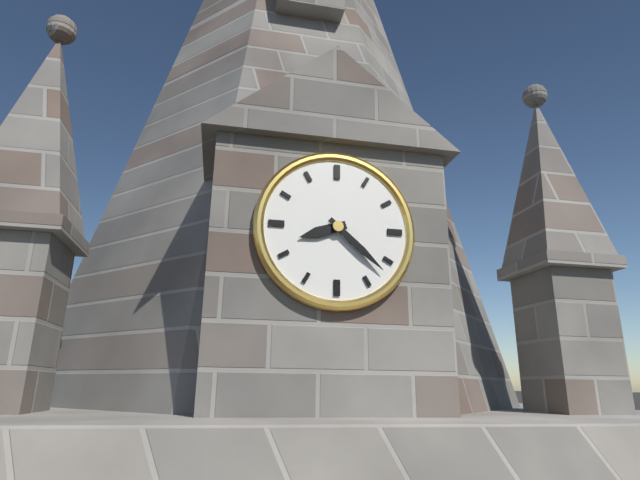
8:22
